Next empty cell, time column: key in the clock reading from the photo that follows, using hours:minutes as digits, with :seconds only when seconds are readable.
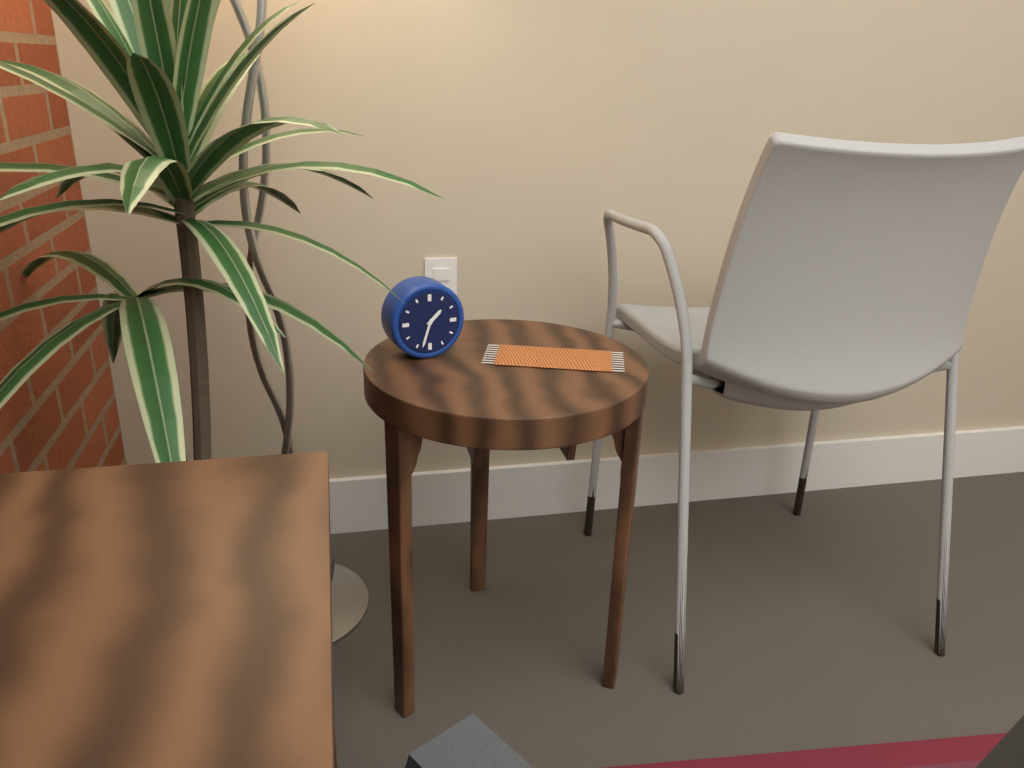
1:33
